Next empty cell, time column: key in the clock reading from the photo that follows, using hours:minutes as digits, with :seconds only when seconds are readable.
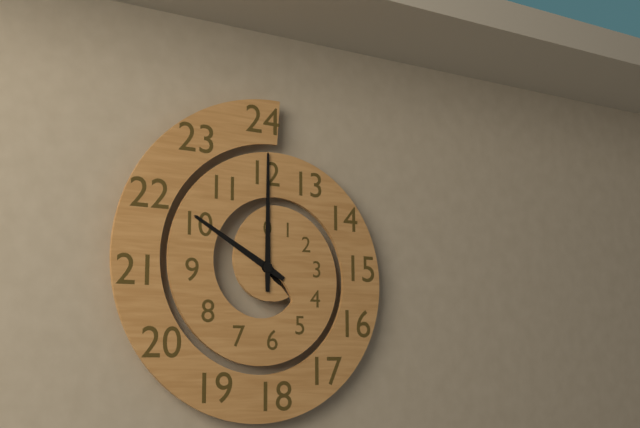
10:00
